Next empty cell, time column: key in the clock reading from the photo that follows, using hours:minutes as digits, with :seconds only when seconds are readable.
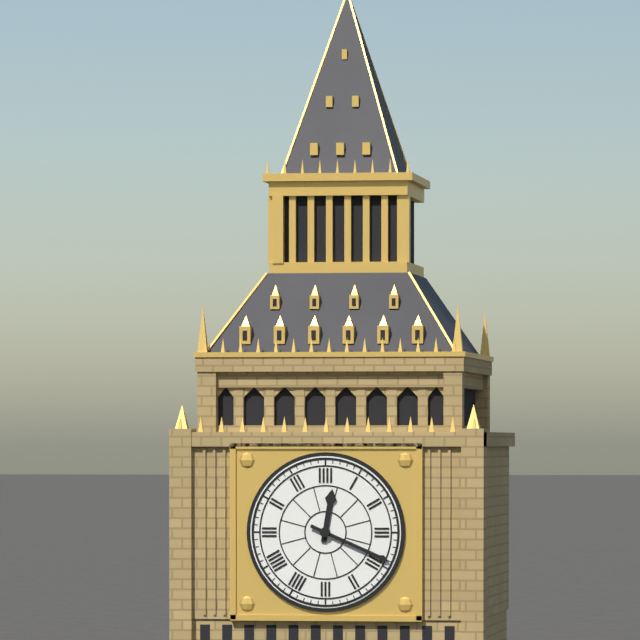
12:19
